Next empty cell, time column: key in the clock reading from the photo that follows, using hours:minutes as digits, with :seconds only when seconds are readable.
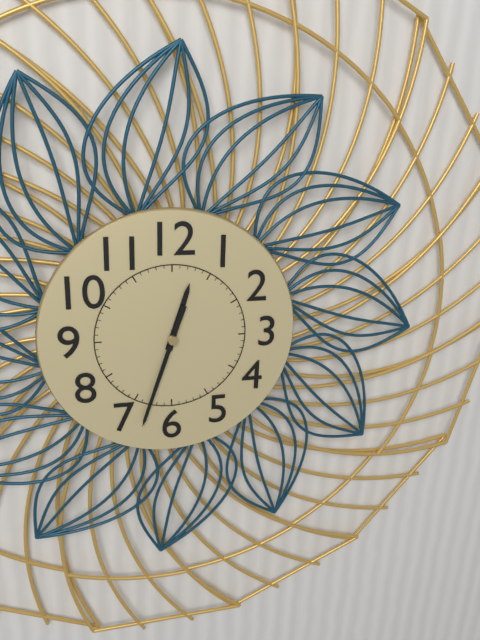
12:33
